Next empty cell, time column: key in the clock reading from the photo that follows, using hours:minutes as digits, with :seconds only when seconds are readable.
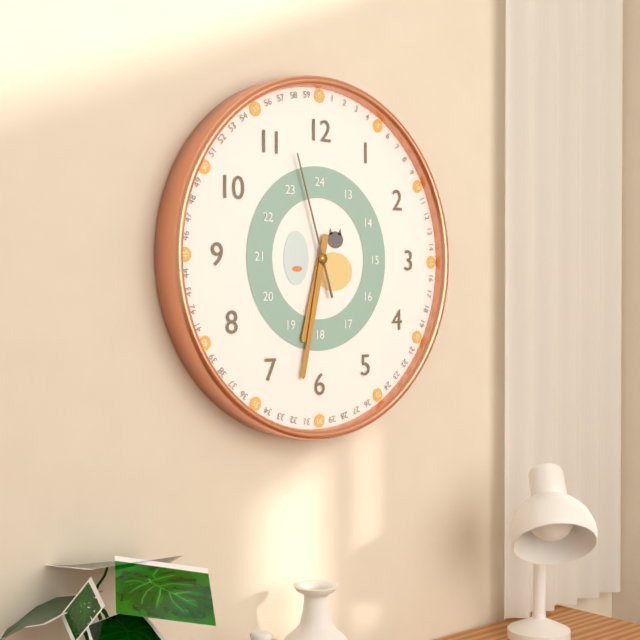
6:32:57
